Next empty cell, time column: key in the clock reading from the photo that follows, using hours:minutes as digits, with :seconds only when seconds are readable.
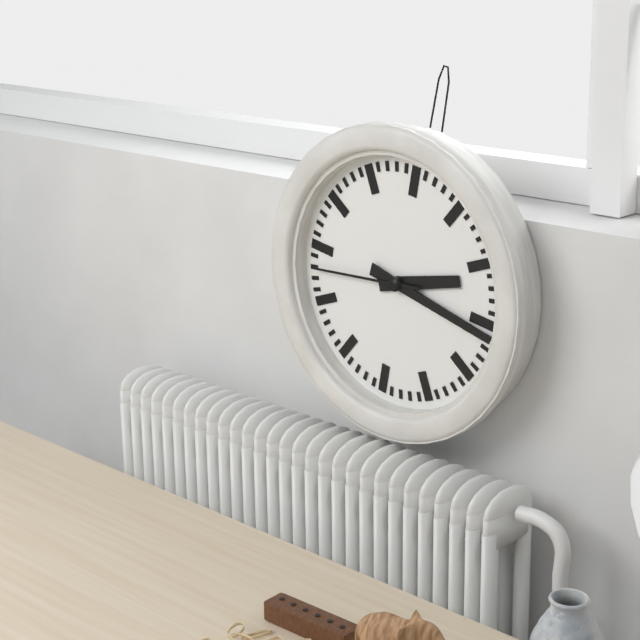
2:16:43
